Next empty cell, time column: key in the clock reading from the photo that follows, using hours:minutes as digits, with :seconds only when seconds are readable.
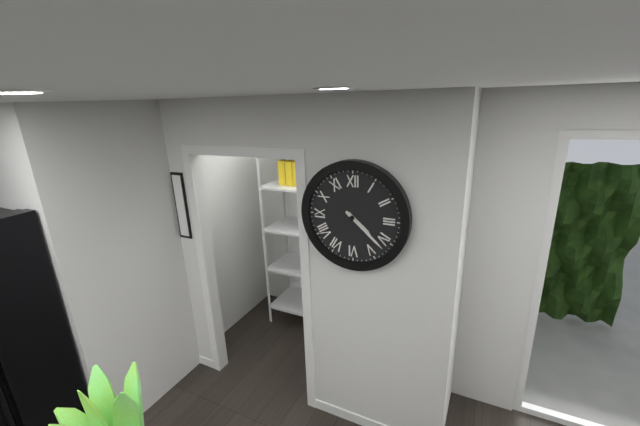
4:22
